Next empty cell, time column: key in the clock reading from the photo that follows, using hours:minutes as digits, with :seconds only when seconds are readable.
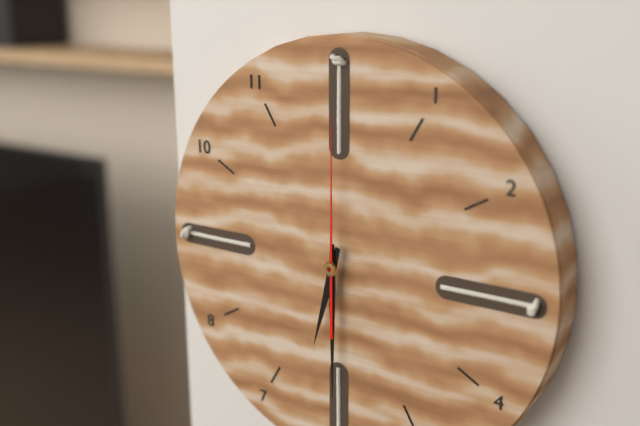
6:30:00
